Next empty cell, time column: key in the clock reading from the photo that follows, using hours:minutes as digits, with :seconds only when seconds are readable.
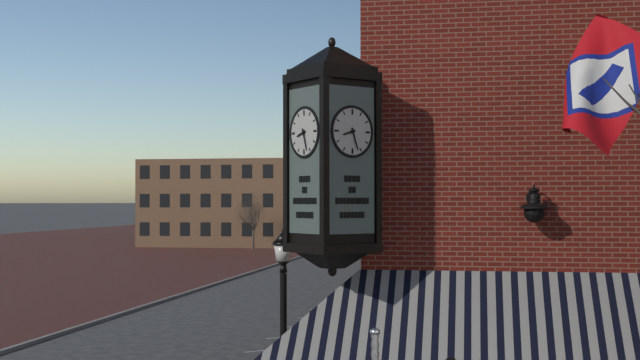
8:27
